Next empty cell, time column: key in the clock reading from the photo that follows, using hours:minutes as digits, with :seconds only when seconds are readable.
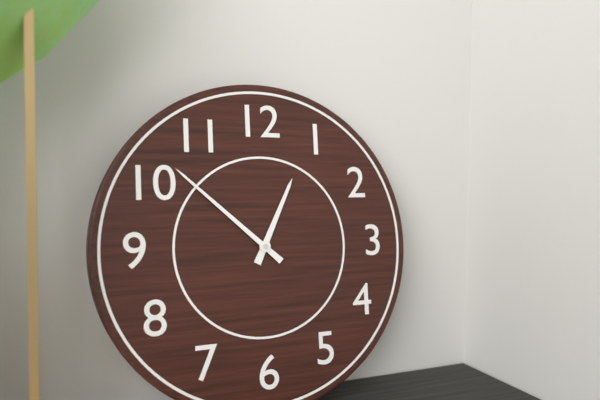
12:52
